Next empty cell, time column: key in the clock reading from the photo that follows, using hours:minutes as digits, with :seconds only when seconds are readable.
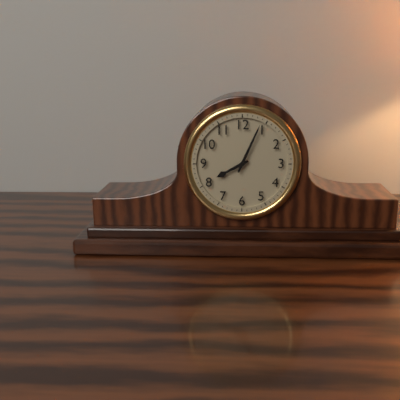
8:04
